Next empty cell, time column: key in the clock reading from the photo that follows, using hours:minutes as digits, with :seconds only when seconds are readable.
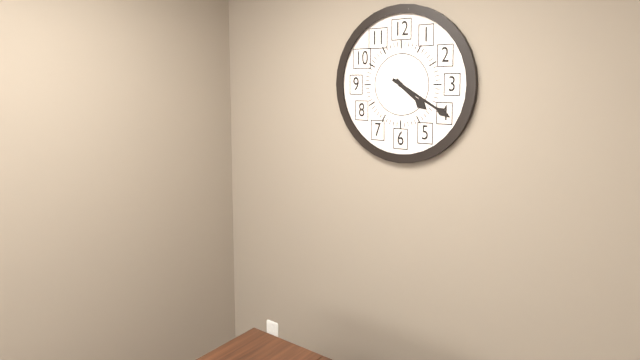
4:20
